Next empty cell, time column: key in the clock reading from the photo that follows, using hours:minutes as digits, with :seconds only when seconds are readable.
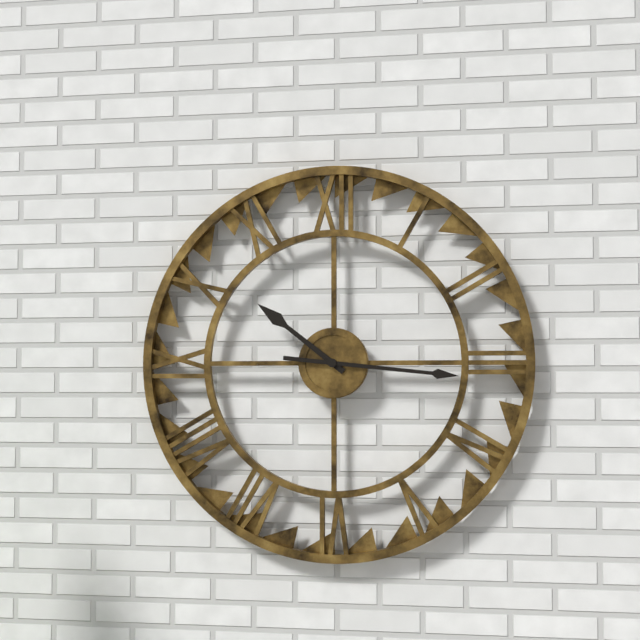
10:16
